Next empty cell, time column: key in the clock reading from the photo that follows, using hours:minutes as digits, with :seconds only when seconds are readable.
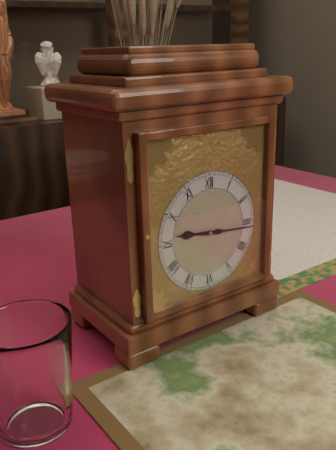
9:16
